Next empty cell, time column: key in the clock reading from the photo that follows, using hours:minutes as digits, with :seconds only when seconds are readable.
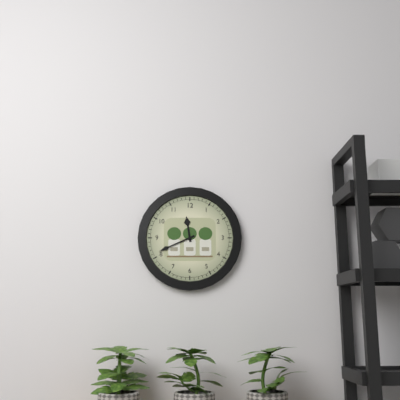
11:41
